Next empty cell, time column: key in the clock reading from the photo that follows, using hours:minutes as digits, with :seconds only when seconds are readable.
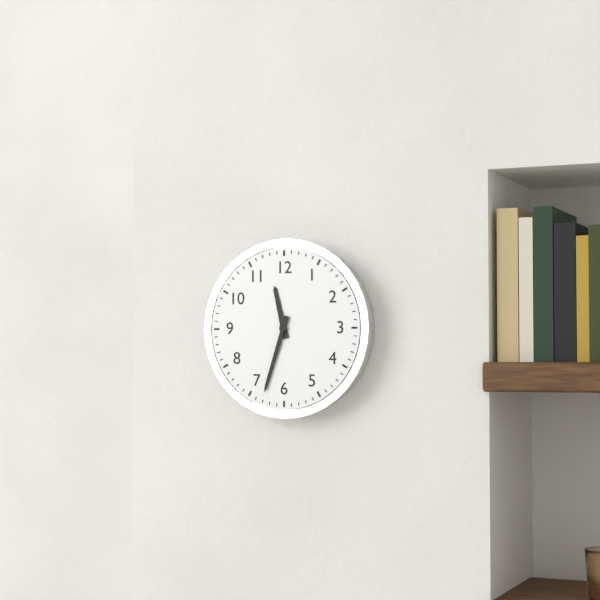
11:33
